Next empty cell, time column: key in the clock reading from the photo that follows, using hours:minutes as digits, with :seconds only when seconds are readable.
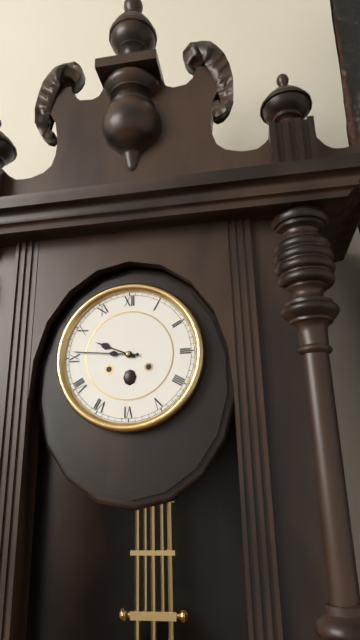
9:46
